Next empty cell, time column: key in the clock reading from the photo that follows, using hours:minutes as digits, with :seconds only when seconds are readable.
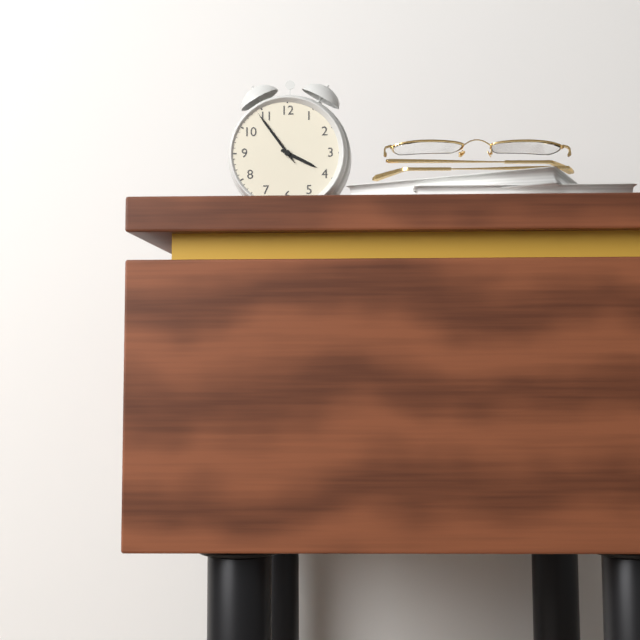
3:54:54
